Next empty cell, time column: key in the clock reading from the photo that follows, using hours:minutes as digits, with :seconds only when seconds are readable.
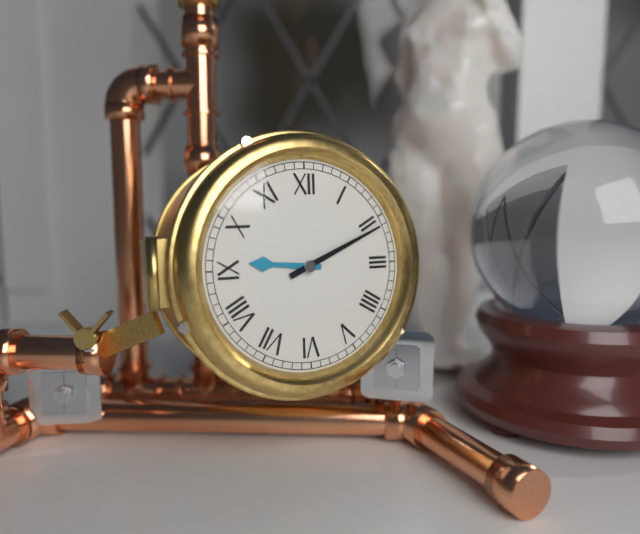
9:11
